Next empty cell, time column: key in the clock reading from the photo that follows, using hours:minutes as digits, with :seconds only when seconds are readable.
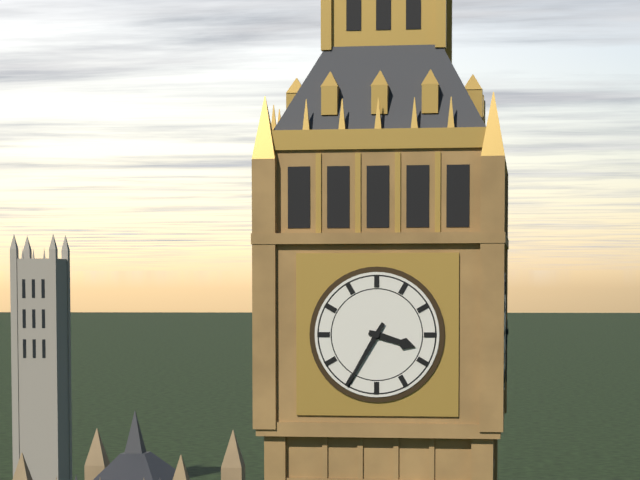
3:35
